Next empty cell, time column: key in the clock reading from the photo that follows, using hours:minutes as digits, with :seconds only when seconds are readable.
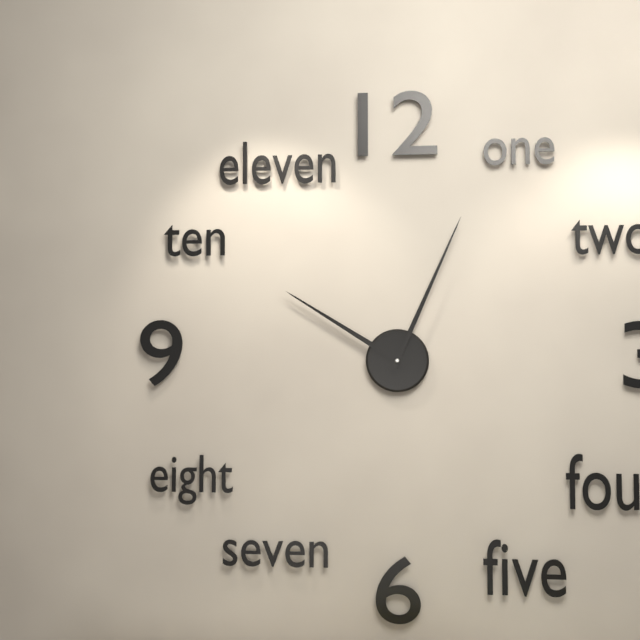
10:04
